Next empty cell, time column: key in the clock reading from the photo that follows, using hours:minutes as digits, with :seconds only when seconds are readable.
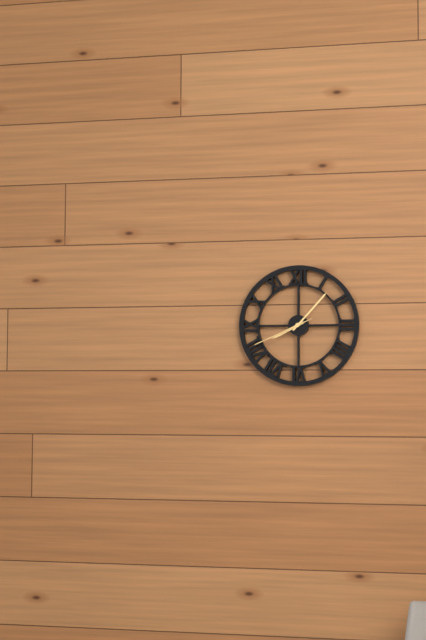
8:07:41
